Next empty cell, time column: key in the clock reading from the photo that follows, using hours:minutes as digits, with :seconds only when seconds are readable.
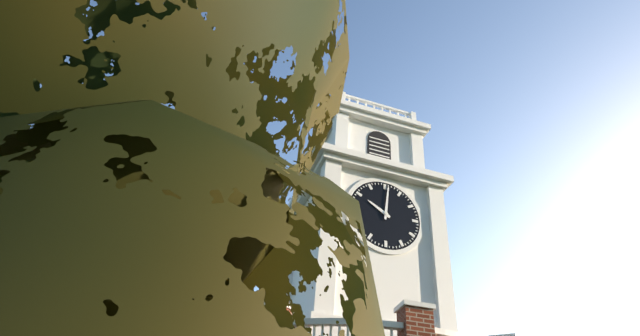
10:01
